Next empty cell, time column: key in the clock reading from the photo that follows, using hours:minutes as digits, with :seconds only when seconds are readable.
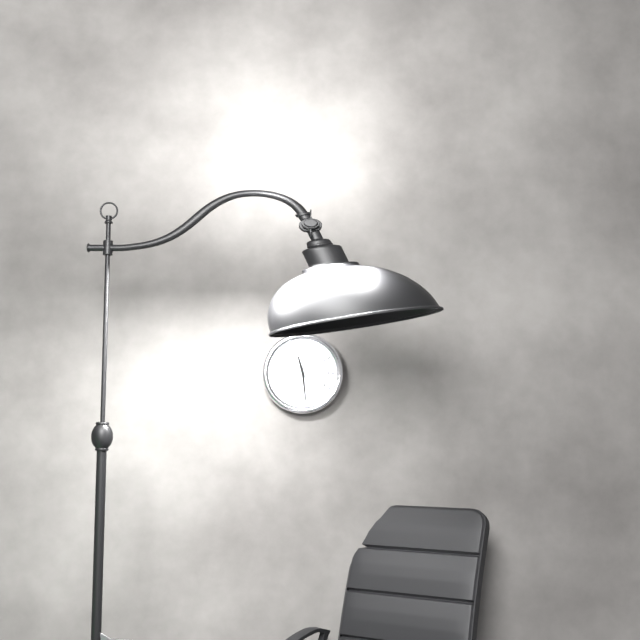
11:29
